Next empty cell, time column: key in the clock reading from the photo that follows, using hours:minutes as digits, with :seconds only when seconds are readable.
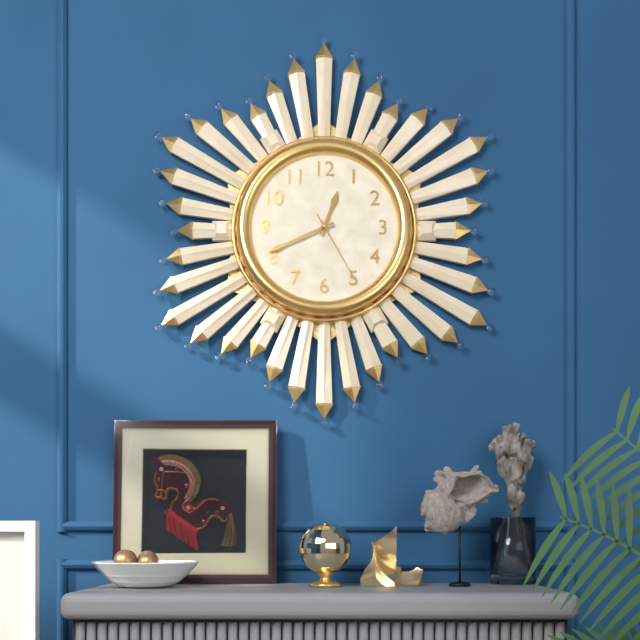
12:41:25
